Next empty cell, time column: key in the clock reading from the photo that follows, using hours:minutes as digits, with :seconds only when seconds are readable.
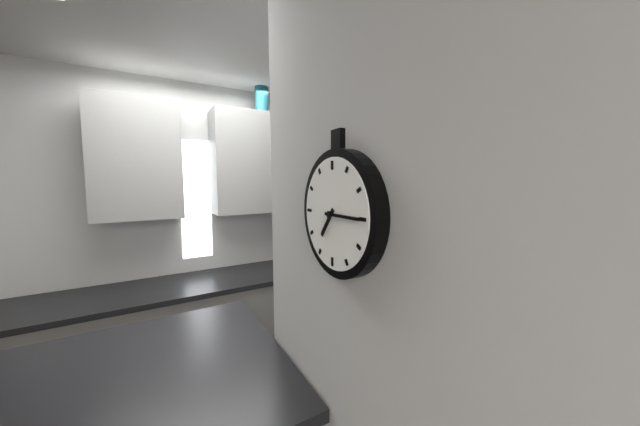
7:15
